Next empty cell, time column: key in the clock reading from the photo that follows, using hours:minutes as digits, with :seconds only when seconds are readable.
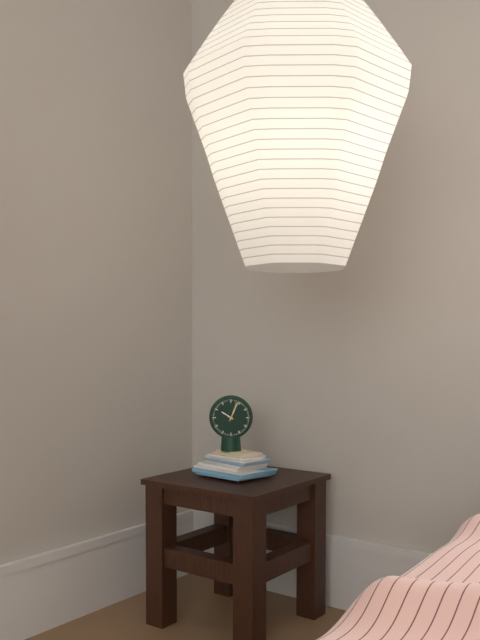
10:04
